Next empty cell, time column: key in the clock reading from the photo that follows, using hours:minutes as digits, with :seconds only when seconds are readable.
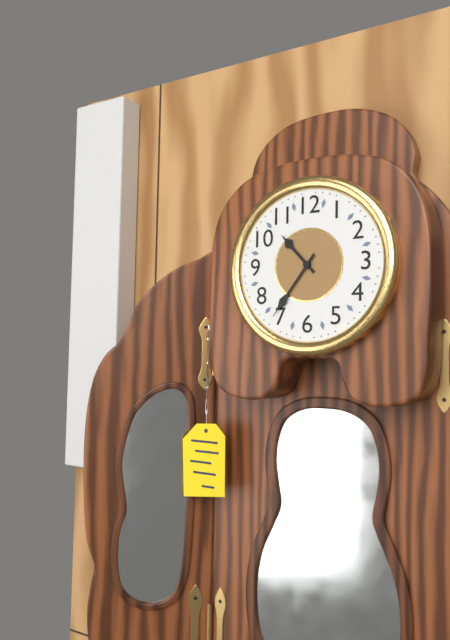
10:36
